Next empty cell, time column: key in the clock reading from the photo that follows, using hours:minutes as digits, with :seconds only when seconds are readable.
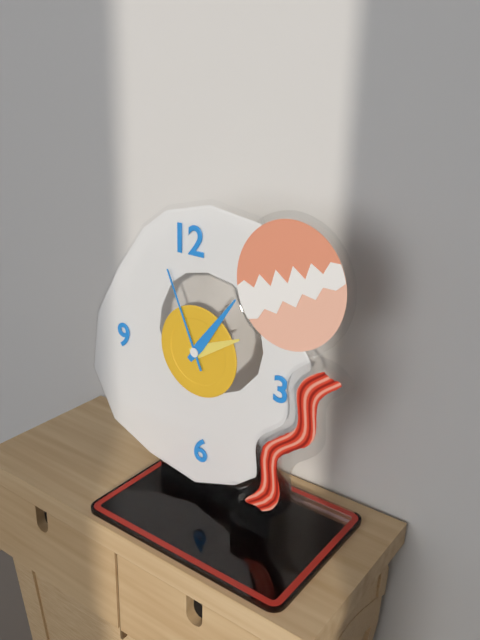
2:06:56
